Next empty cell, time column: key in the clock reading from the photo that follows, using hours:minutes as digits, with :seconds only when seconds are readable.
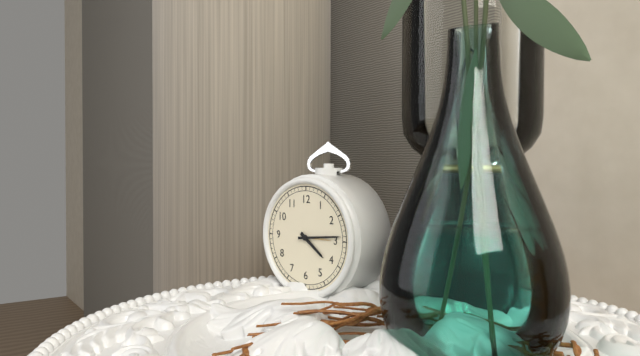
4:14
